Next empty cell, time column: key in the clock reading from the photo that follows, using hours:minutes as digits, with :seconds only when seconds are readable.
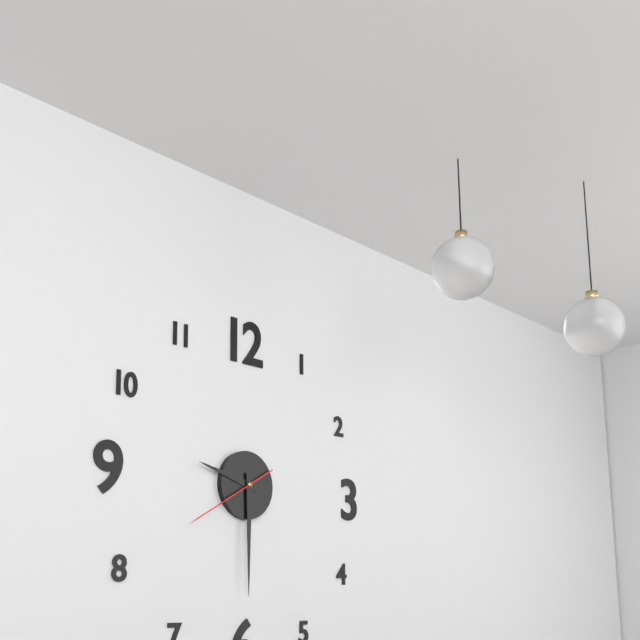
9:30:40
